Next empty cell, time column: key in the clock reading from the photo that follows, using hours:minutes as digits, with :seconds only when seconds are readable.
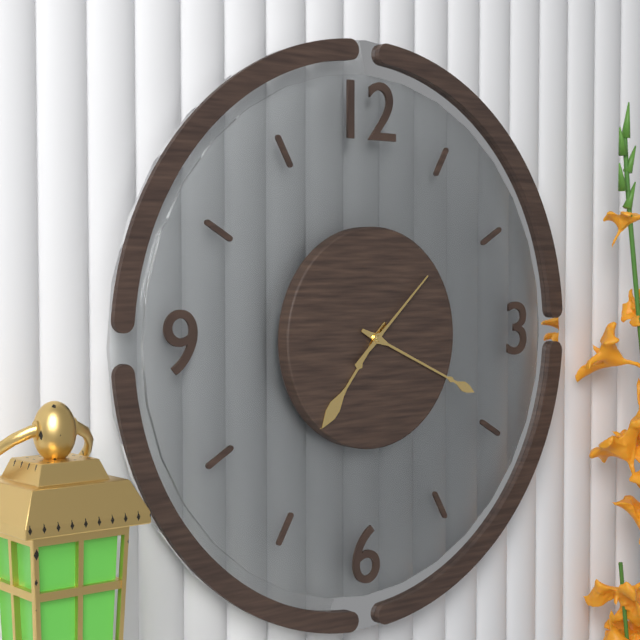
7:19:08
